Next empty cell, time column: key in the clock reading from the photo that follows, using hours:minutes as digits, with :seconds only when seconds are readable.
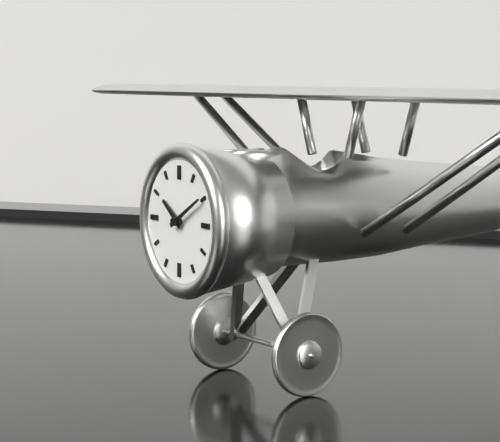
10:10
